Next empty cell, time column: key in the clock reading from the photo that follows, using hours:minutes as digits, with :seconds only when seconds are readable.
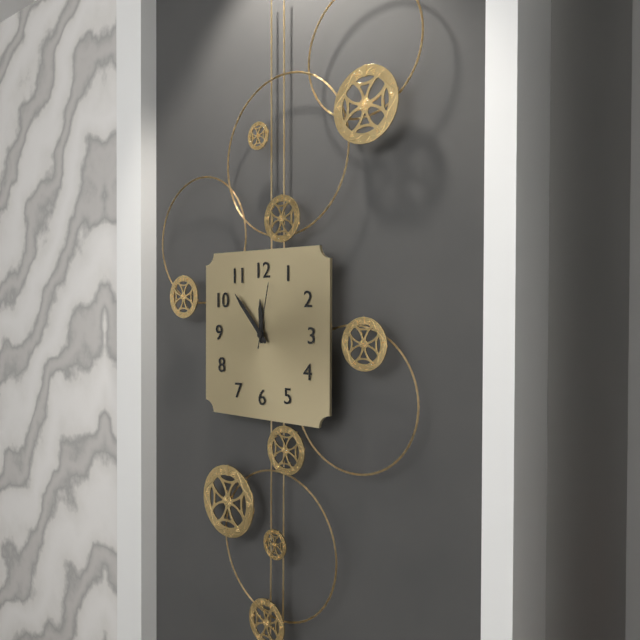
11:53:02
